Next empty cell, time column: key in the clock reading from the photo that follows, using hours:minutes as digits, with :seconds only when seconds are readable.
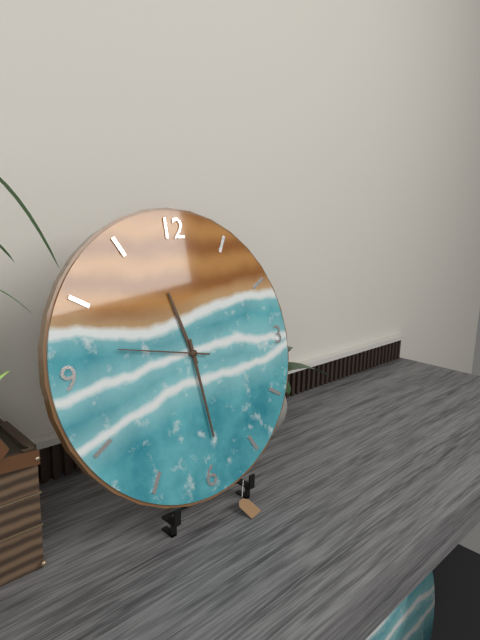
11:29:47
